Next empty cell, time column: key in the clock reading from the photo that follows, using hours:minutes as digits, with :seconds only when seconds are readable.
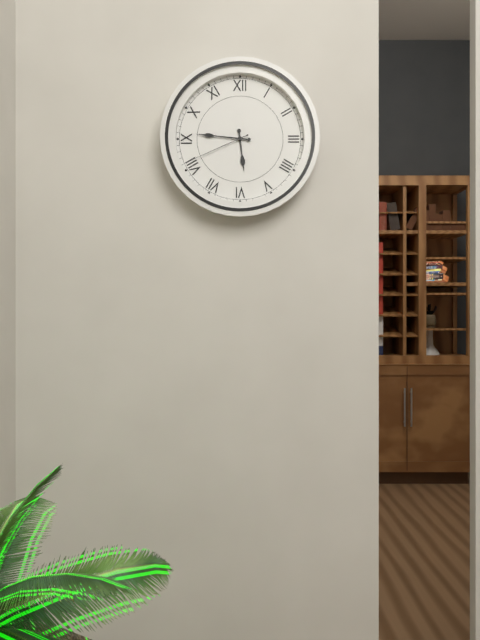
5:46:41
